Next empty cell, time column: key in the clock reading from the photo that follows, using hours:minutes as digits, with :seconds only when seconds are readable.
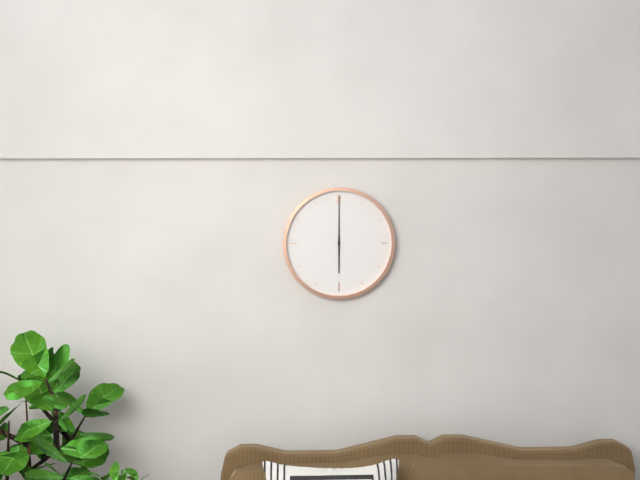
6:00
